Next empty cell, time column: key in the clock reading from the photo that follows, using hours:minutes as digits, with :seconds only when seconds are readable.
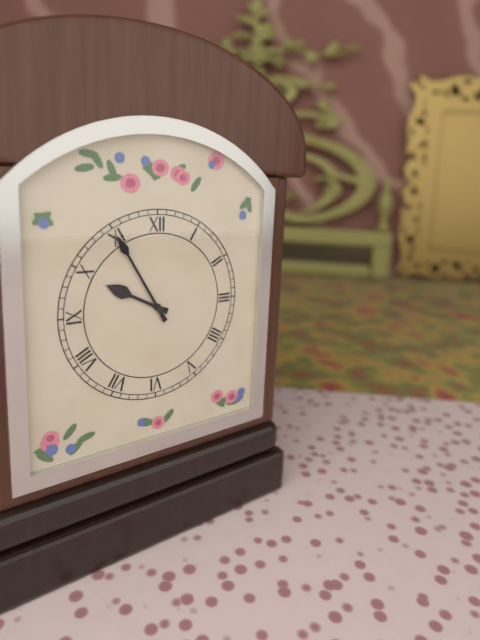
9:55
